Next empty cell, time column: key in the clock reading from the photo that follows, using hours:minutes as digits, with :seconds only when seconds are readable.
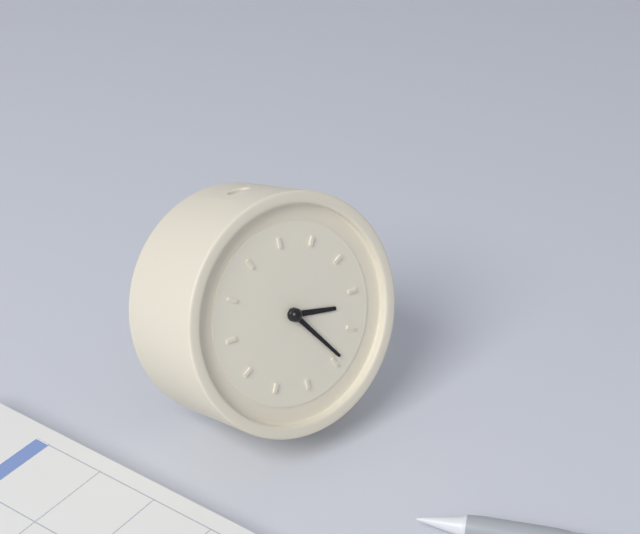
3:24
